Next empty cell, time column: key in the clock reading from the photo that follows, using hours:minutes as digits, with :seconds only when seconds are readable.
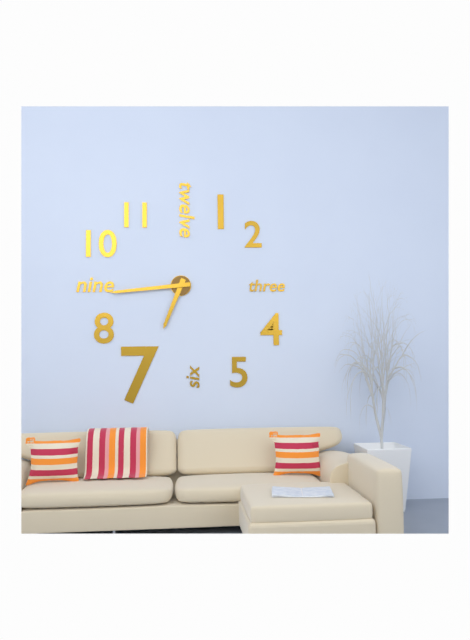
6:44
